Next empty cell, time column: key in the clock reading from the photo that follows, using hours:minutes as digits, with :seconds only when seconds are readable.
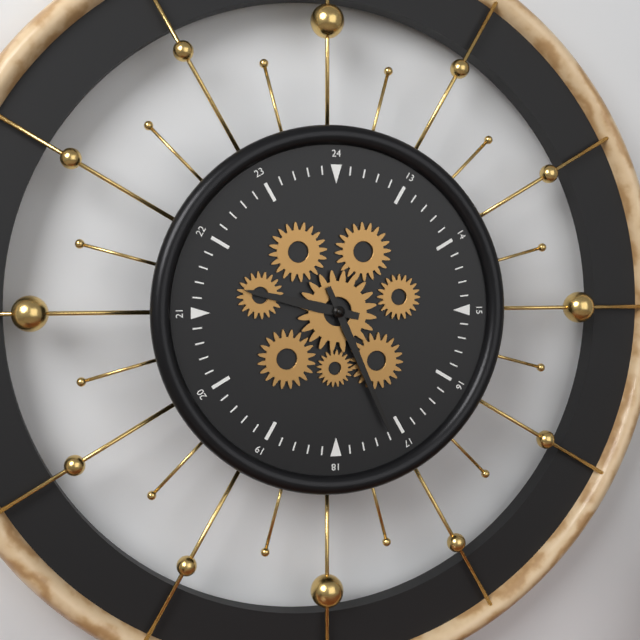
9:26
